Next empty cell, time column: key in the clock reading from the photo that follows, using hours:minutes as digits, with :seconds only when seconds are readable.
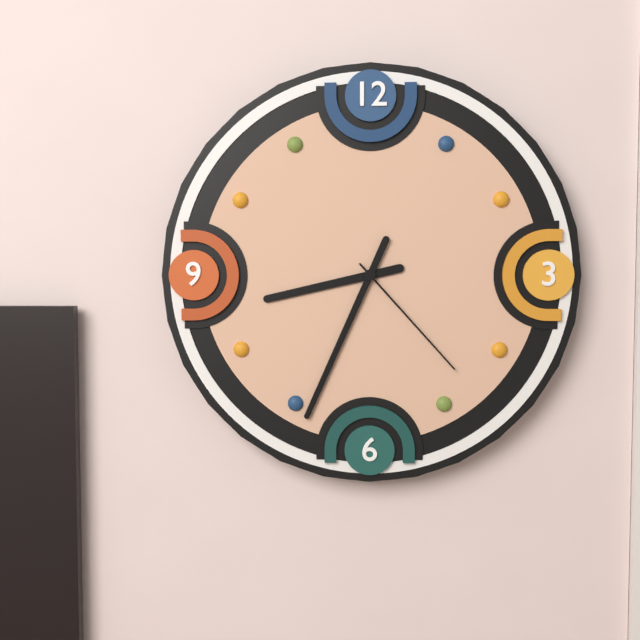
8:34:23
